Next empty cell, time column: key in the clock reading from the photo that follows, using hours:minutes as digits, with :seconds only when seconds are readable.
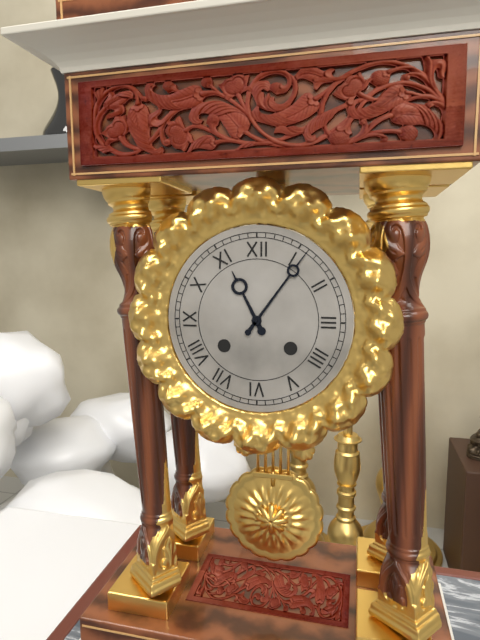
11:06
